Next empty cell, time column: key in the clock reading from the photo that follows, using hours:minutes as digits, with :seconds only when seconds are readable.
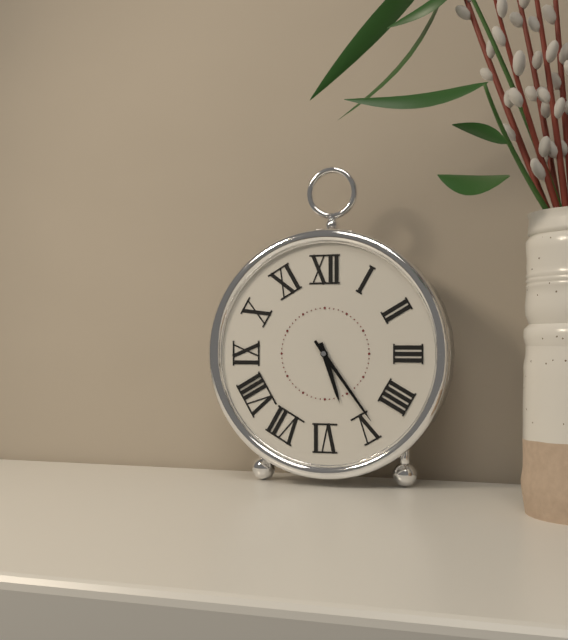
5:24
